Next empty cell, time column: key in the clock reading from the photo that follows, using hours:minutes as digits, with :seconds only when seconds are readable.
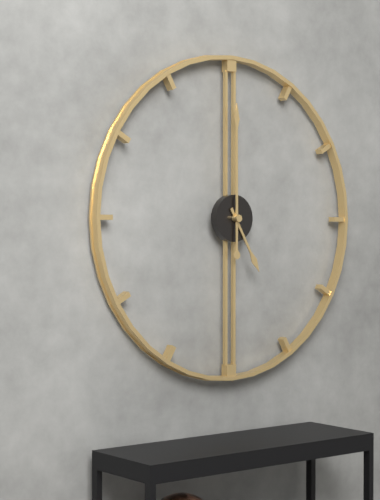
5:00
